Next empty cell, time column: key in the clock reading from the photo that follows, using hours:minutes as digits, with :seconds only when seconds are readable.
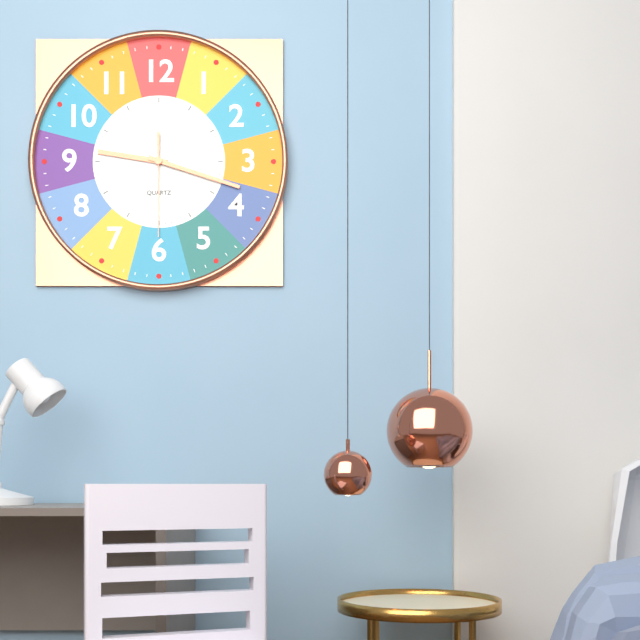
9:18:30
